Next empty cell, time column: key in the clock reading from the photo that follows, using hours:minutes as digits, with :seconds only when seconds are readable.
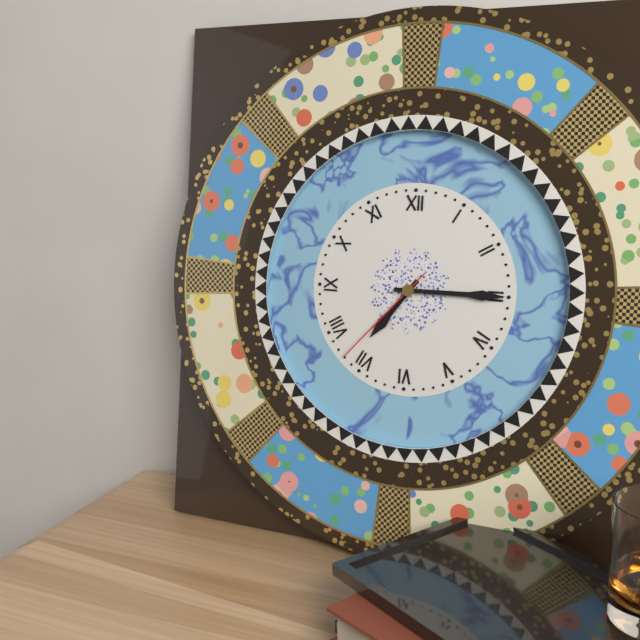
7:15:37
